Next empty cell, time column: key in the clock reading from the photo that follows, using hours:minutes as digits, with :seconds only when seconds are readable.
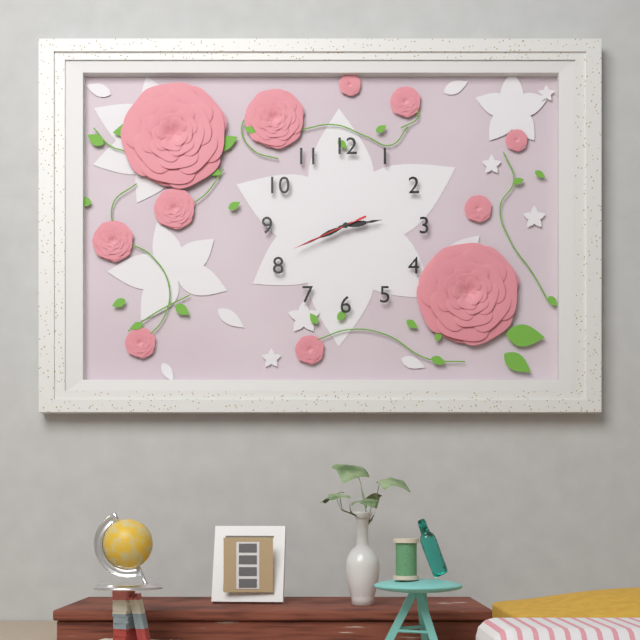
2:41:41
